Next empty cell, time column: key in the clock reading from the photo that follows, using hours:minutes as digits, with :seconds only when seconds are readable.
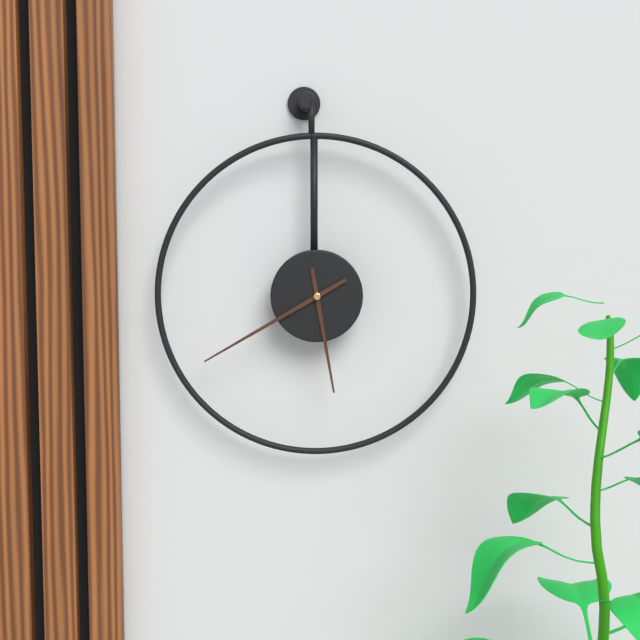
5:40
